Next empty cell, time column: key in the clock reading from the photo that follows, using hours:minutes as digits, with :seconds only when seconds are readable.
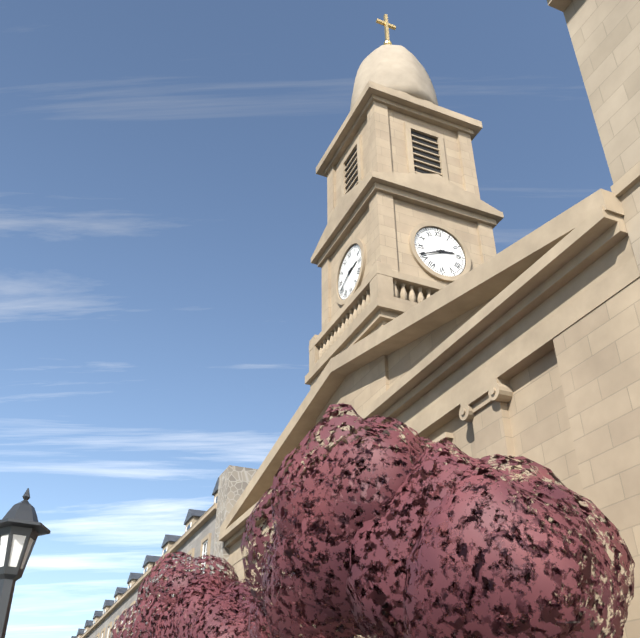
2:41
